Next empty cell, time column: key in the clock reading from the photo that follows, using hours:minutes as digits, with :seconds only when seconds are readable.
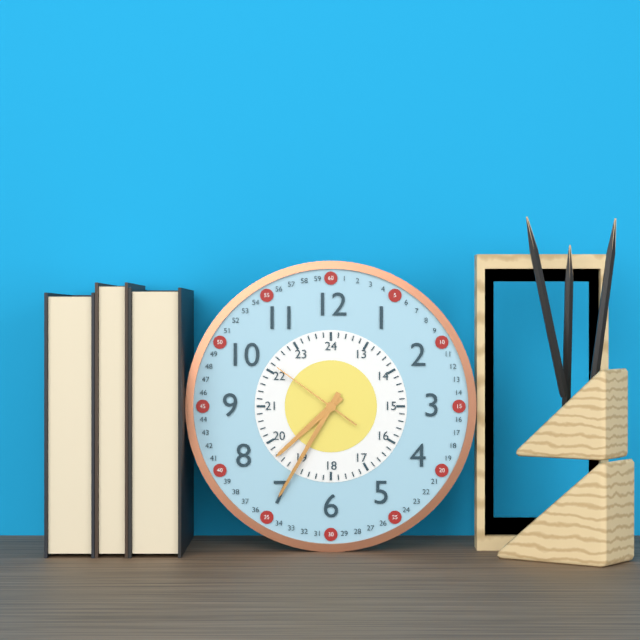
7:35:51
